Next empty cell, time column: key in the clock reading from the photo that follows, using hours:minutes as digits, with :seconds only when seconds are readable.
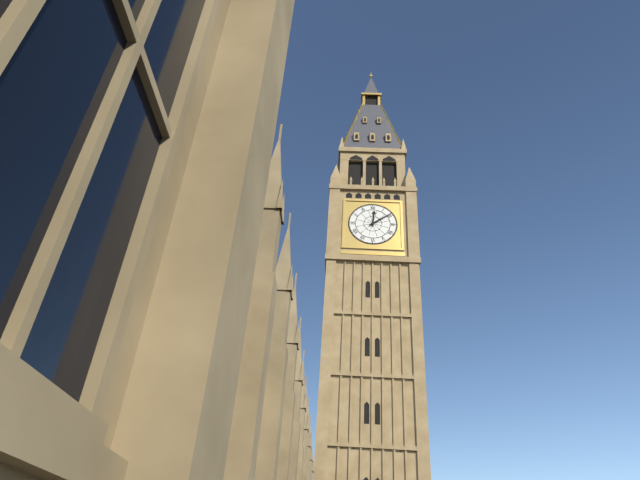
12:09
